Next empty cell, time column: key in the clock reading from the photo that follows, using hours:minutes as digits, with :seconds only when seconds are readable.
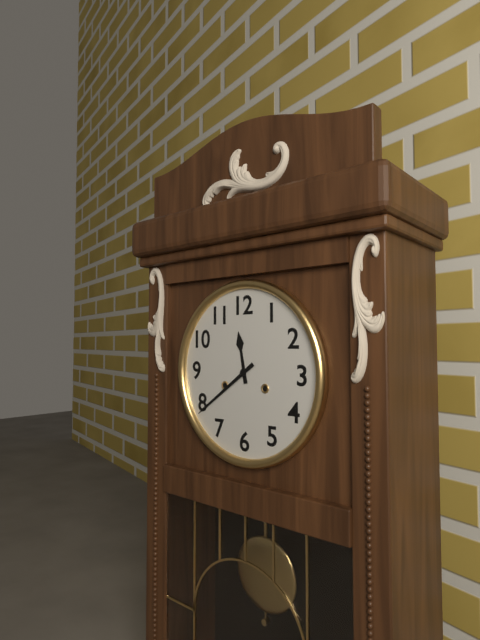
11:39
